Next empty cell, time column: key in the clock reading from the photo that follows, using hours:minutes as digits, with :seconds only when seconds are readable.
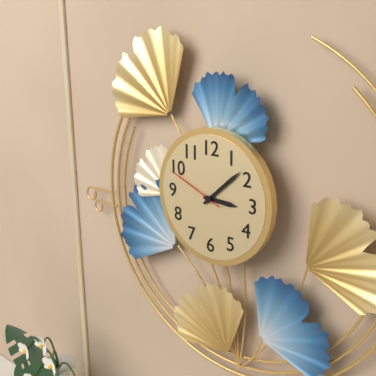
3:08:49
